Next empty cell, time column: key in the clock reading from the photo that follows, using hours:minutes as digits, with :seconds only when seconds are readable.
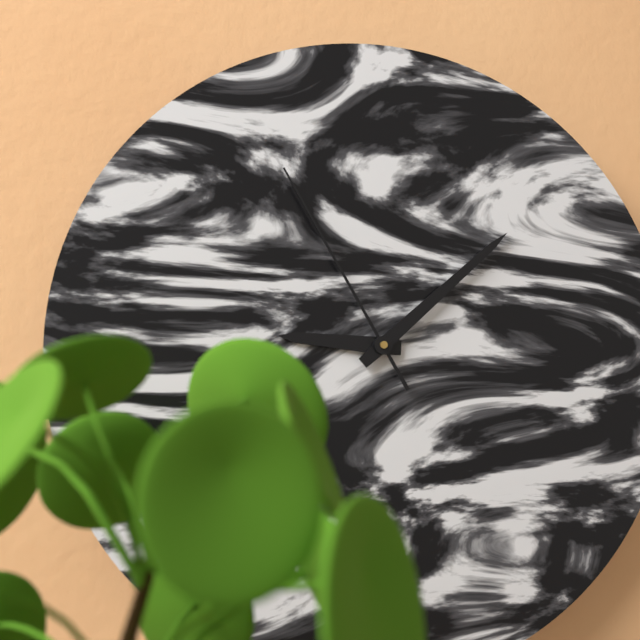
9:08:55
